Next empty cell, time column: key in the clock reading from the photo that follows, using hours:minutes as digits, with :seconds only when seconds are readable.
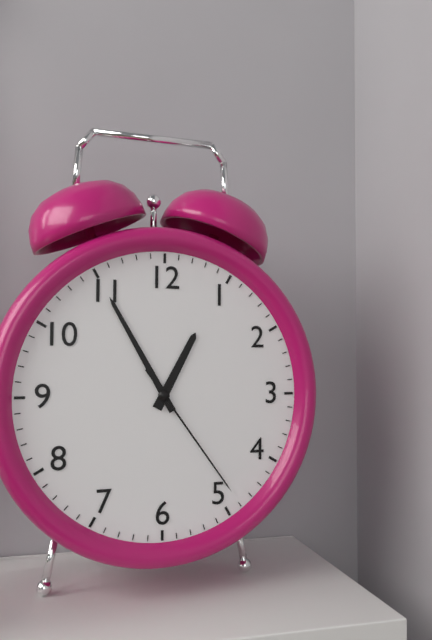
12:55:24
